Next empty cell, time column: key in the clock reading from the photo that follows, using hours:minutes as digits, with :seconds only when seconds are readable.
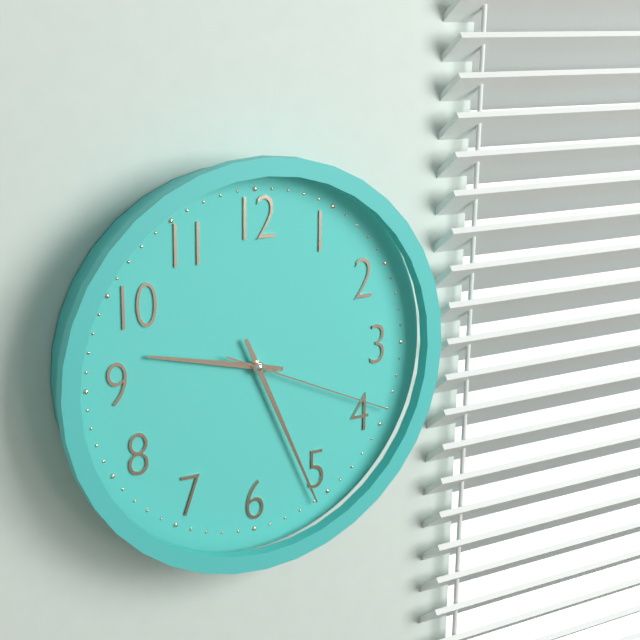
9:26:19
